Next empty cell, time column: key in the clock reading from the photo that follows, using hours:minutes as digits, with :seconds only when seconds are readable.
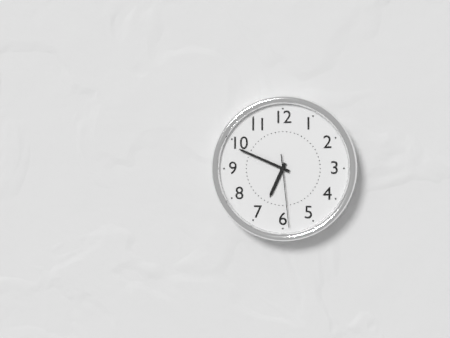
6:49:29
